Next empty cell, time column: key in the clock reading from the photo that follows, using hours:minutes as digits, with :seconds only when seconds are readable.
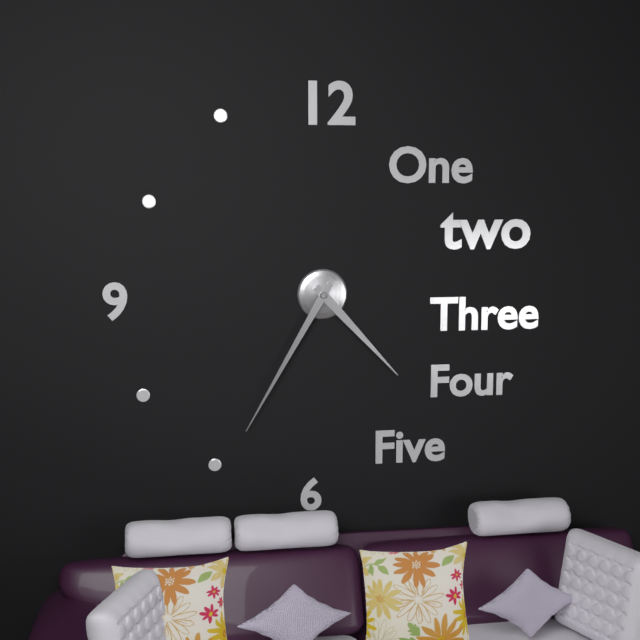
4:35
